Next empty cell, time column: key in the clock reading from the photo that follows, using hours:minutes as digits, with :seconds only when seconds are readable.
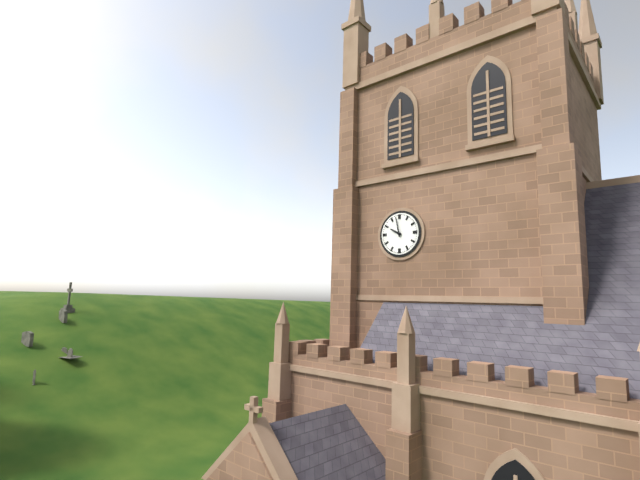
9:58
